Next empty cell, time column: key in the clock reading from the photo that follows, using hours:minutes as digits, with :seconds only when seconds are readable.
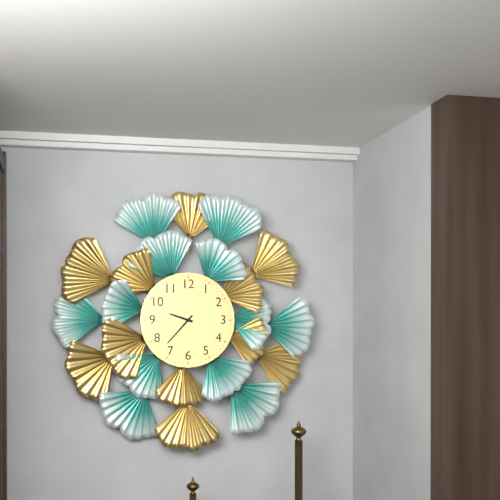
9:37
